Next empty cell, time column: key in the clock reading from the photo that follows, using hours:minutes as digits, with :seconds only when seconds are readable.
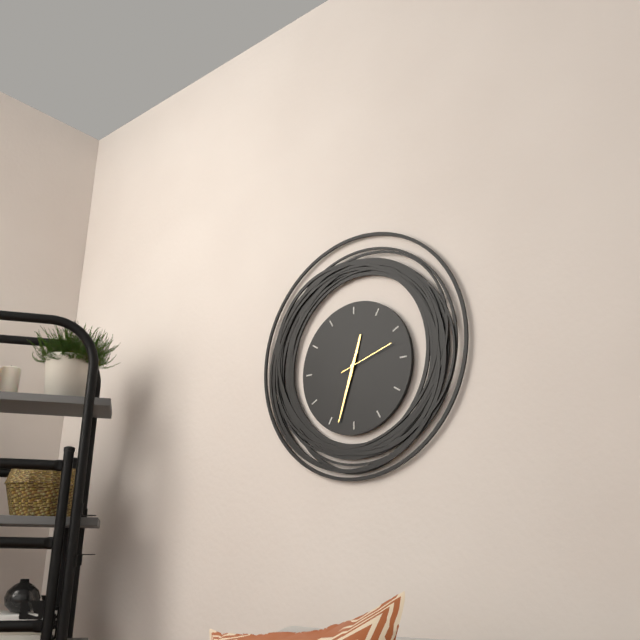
12:33:12
